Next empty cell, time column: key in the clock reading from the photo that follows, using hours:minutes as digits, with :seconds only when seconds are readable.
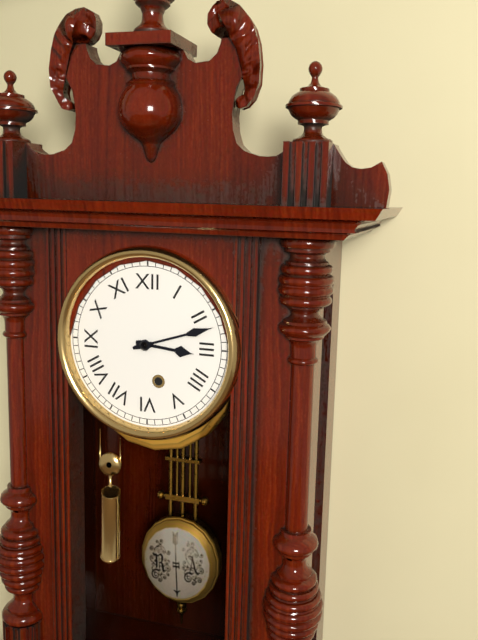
3:12
